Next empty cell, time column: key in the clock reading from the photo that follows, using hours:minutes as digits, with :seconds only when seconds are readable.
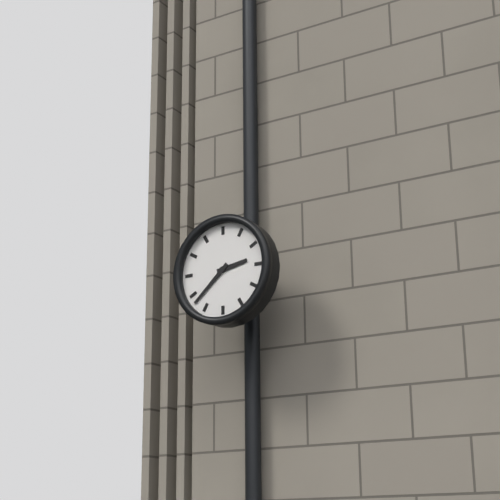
2:38
